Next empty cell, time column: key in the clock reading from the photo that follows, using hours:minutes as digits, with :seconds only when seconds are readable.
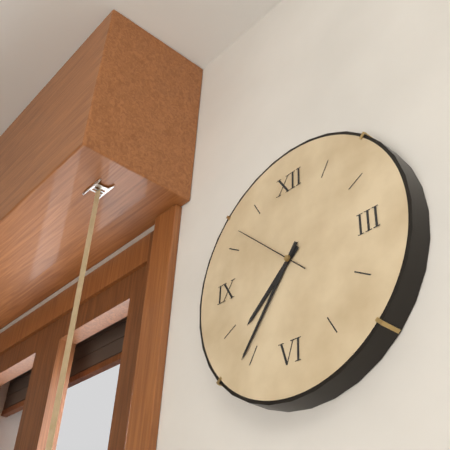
7:36:52
